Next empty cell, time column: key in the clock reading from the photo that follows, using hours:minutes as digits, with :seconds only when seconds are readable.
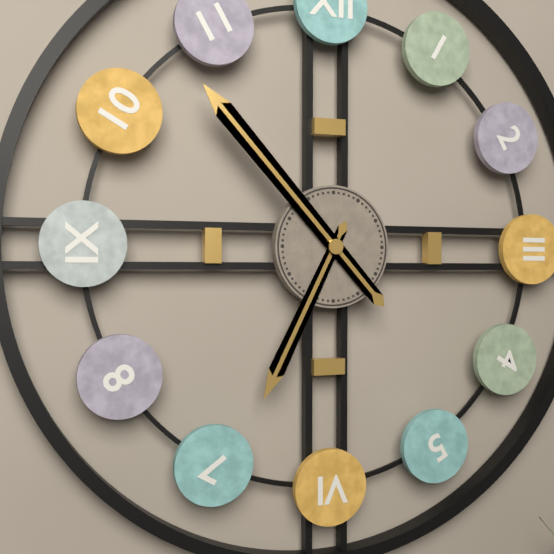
6:53
